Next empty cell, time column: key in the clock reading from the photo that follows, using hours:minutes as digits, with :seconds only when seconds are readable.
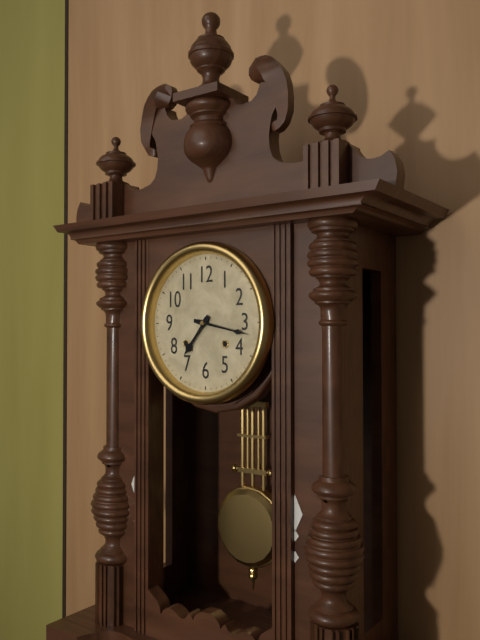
7:17
